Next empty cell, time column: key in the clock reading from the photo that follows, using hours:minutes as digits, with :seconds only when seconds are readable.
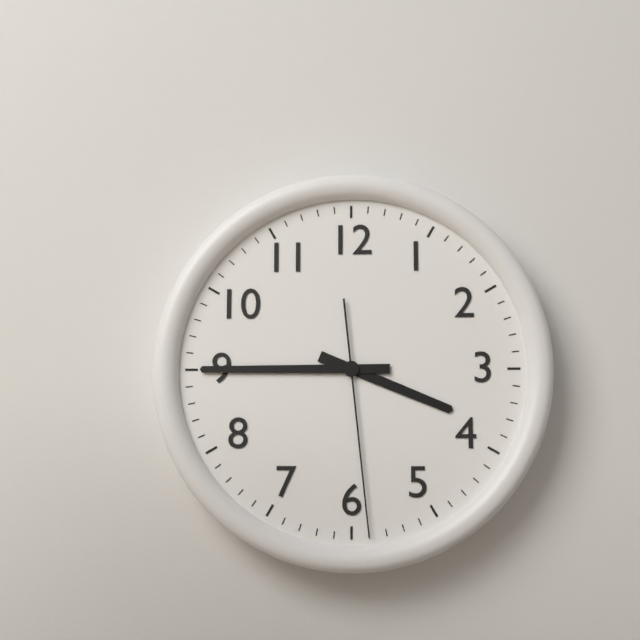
3:45:29
